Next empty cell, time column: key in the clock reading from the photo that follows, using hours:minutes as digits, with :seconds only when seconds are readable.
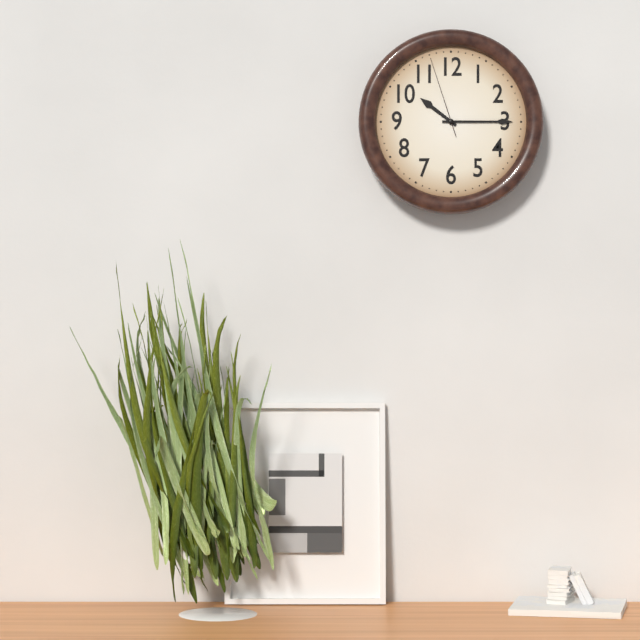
10:15:57
